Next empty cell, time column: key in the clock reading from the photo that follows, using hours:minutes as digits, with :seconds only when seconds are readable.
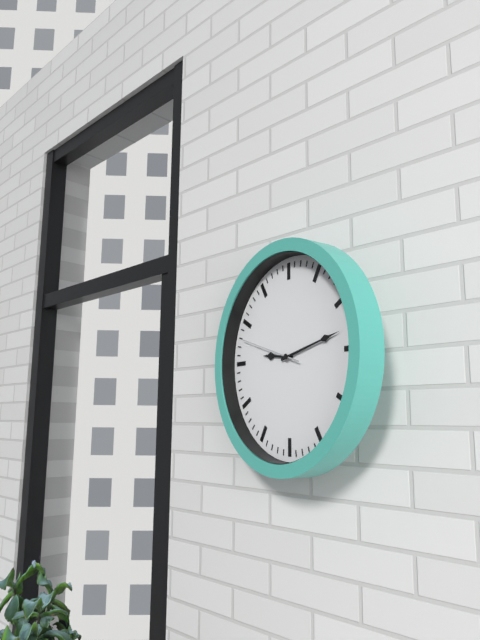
9:13:48
